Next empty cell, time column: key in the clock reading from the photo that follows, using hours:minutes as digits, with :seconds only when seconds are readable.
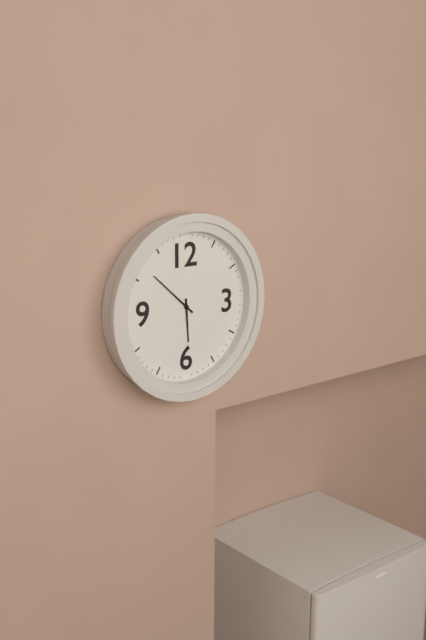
5:52
